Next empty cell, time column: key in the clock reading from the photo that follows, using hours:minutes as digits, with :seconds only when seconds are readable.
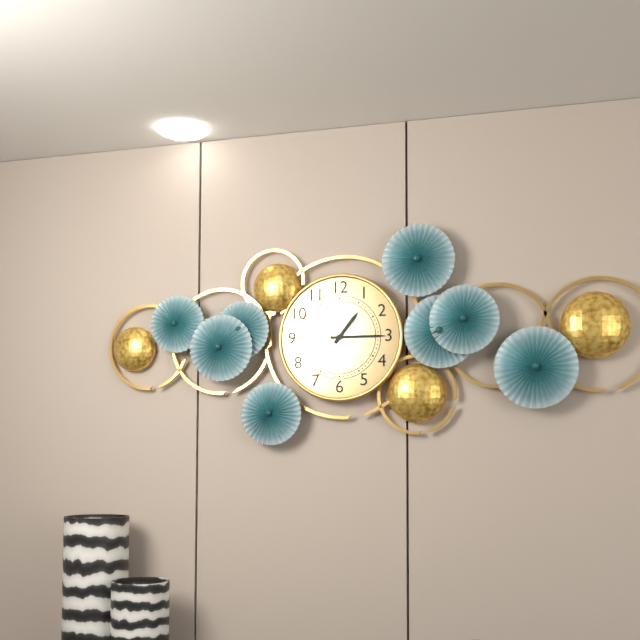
1:15
